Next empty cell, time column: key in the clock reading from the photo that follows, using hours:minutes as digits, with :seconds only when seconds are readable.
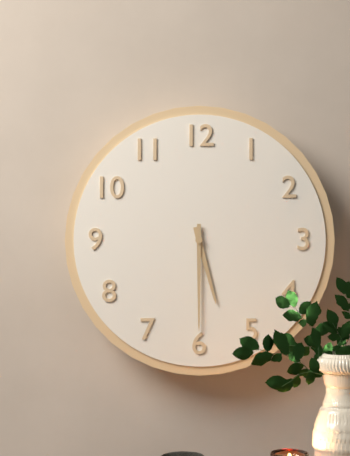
5:30
